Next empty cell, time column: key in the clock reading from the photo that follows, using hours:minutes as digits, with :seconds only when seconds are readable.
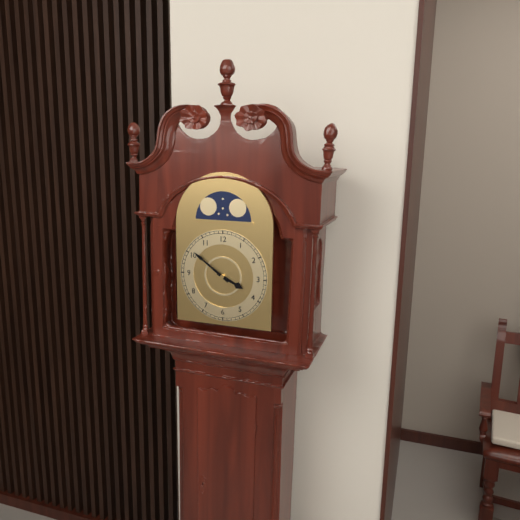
3:51
